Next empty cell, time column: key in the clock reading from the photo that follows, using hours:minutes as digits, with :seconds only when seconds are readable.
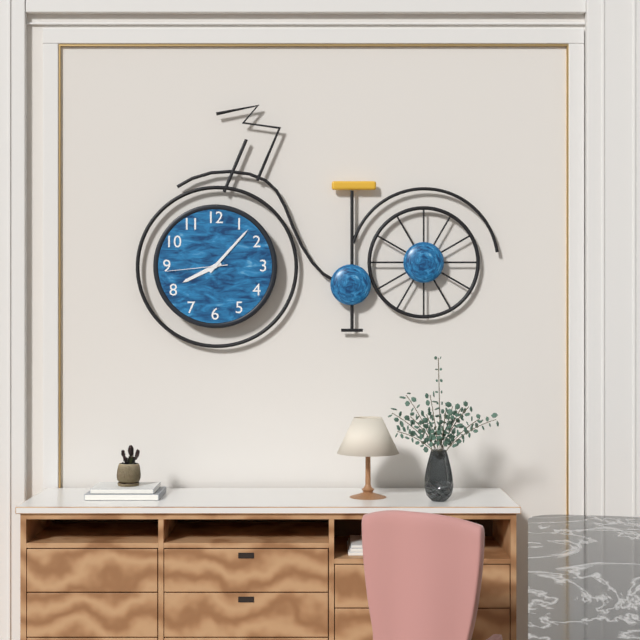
8:07:44
